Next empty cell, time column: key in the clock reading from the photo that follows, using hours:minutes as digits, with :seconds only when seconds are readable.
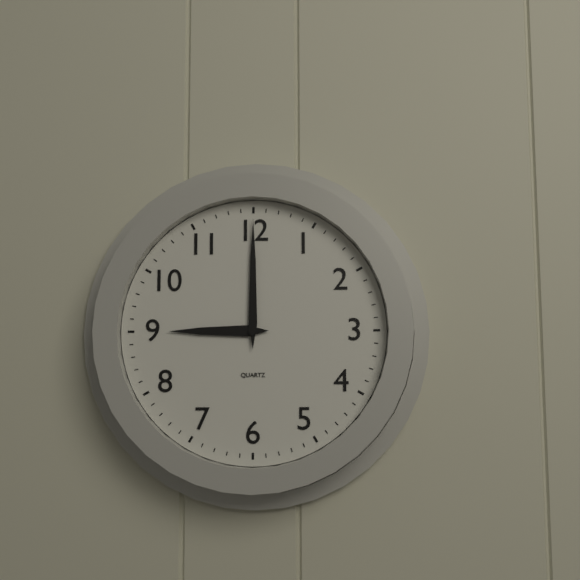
9:00
